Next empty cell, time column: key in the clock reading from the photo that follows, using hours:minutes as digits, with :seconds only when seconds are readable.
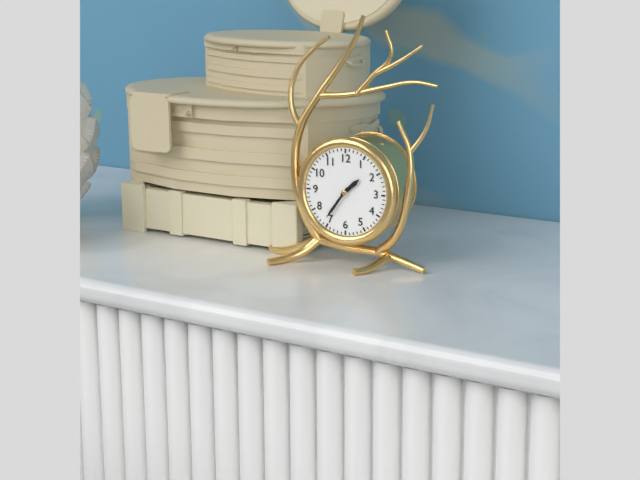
1:36
